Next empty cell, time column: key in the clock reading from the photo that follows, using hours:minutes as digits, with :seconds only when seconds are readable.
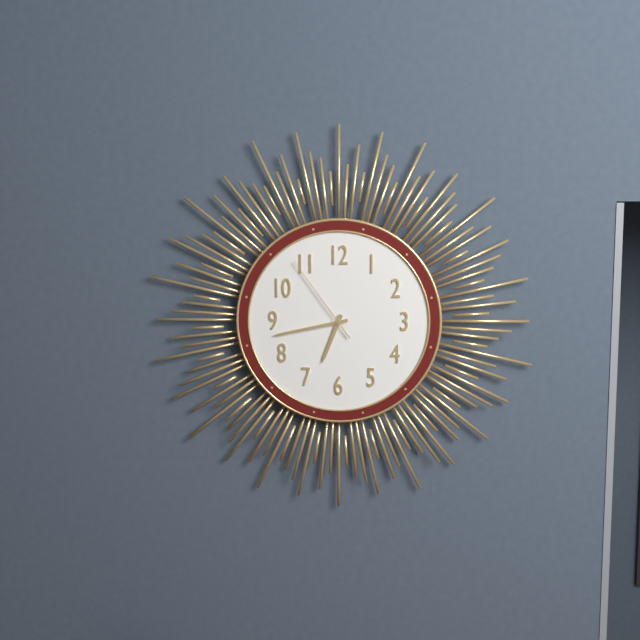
6:43:54
